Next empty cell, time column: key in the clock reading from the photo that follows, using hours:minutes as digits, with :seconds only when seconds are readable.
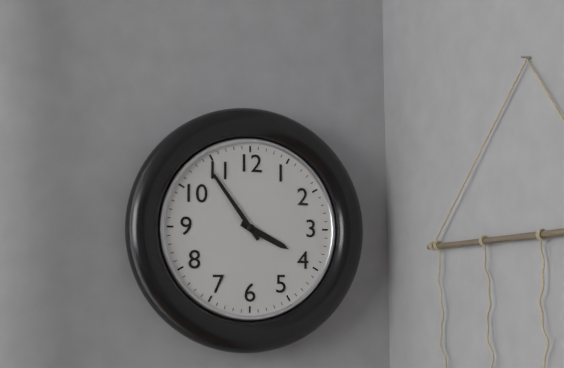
3:54
